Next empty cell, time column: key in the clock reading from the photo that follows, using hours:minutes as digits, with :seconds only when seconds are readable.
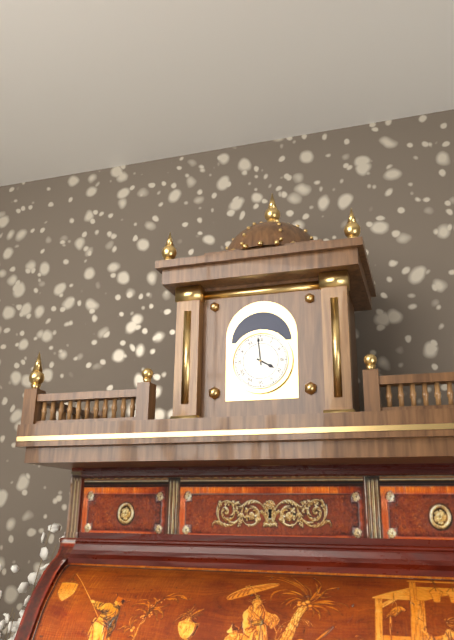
3:59
